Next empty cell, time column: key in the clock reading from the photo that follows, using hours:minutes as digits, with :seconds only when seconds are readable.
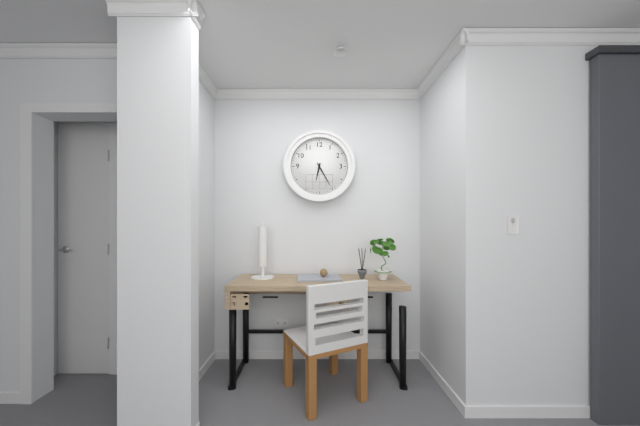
6:25
